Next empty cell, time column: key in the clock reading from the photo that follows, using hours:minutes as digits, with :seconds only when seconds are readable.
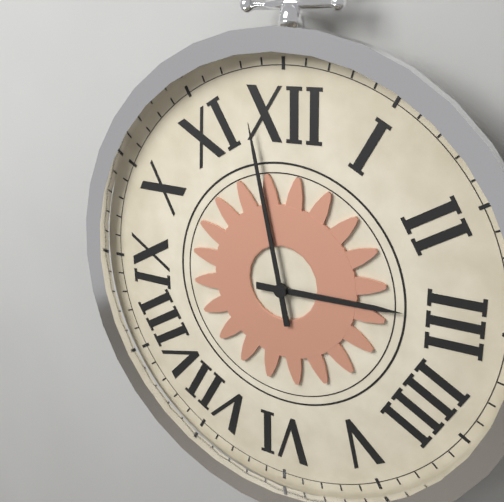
2:58
